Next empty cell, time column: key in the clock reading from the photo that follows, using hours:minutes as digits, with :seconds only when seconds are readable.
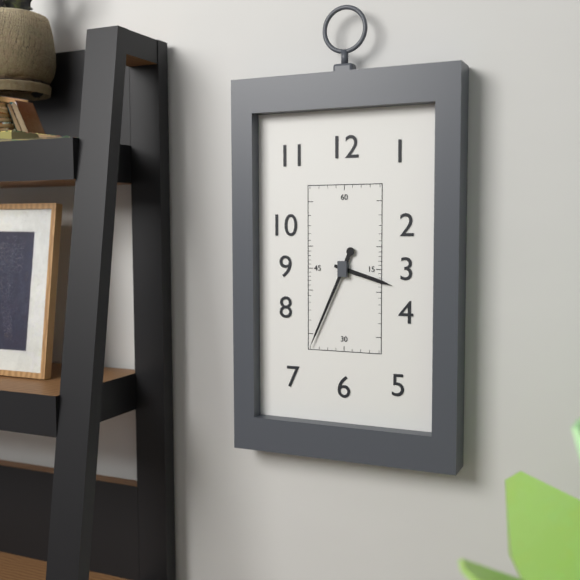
3:34
